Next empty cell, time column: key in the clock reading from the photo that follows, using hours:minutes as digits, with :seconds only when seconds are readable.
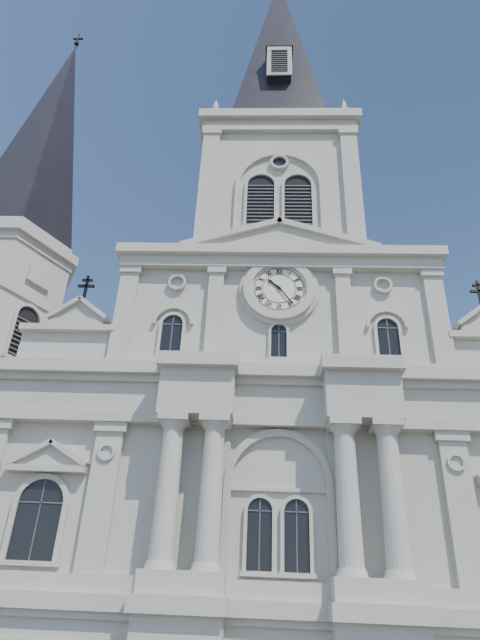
10:24
